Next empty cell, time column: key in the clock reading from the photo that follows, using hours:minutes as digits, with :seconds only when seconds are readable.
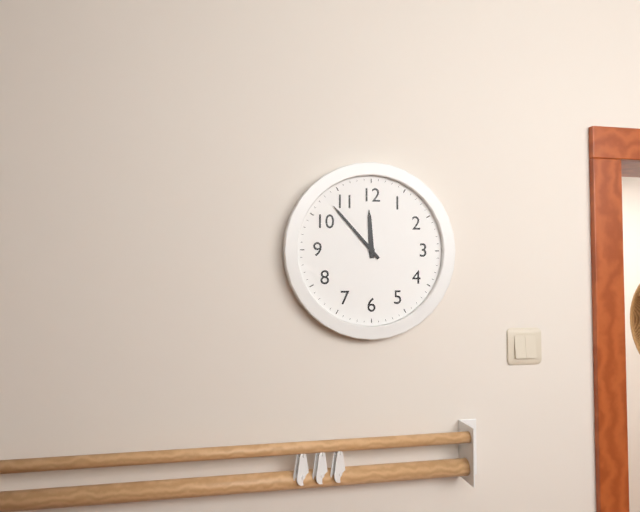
11:53
